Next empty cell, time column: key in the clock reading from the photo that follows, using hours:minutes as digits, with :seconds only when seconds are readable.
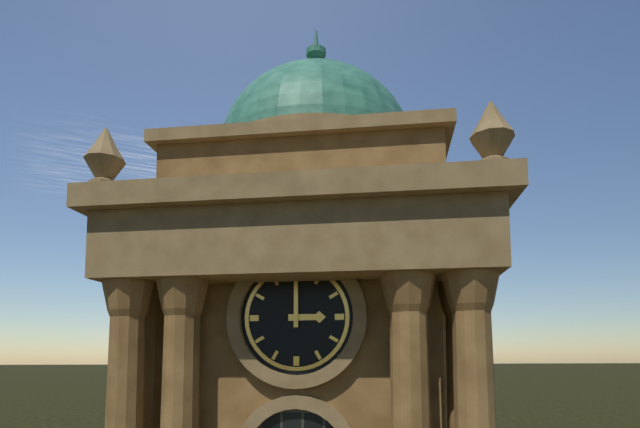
3:00
